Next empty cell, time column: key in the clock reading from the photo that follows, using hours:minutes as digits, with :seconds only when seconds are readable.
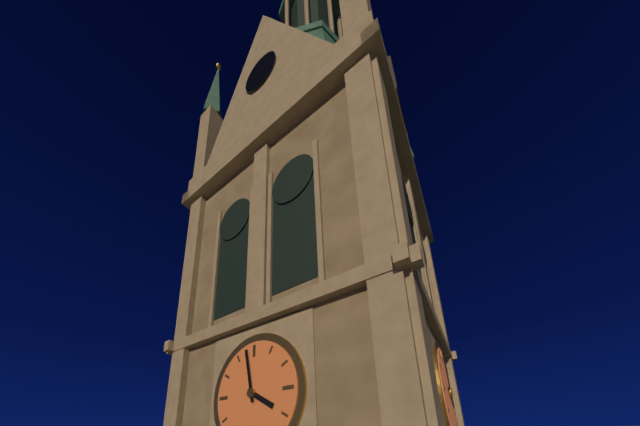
3:58
